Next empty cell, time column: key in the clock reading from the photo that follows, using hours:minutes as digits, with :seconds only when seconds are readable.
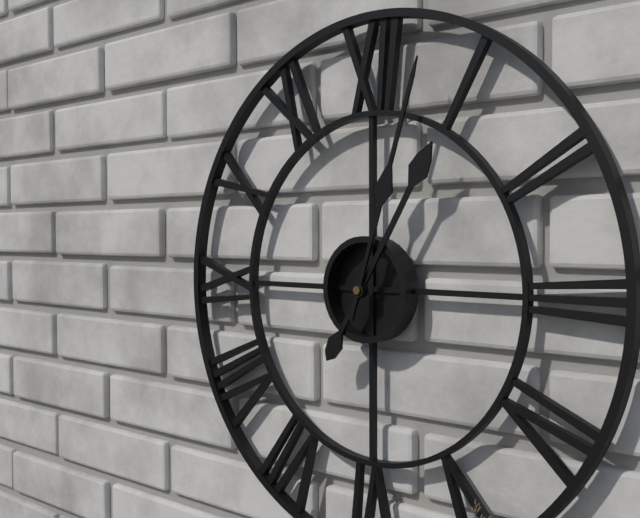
1:03
